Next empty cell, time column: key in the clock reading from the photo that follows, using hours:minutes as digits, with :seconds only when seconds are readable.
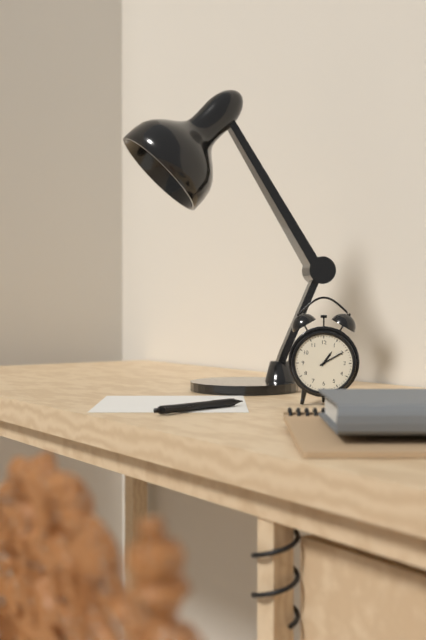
1:10
